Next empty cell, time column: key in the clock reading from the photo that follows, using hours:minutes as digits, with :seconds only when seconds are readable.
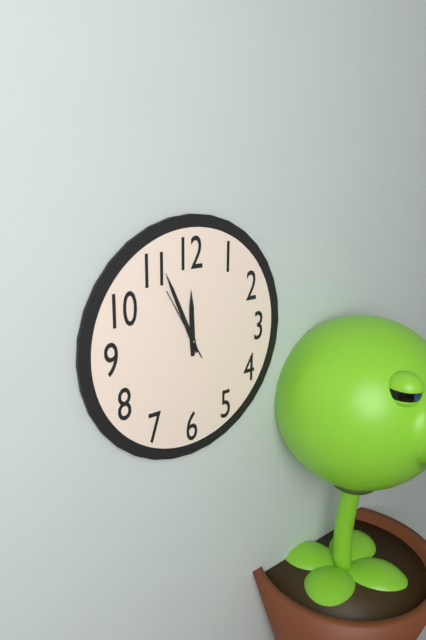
11:56:55
